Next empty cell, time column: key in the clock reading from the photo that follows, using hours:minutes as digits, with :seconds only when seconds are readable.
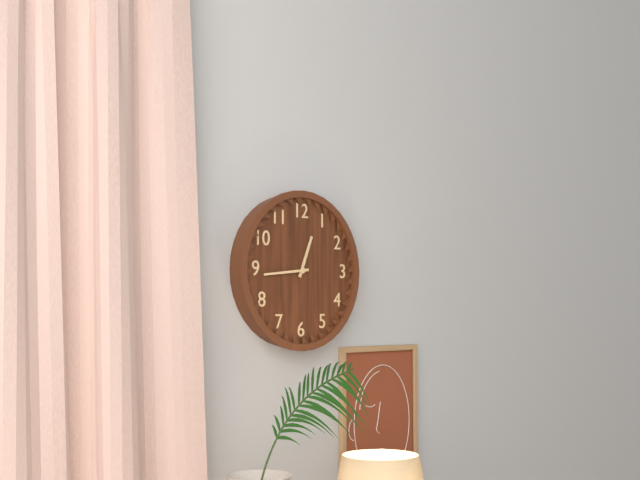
12:44
